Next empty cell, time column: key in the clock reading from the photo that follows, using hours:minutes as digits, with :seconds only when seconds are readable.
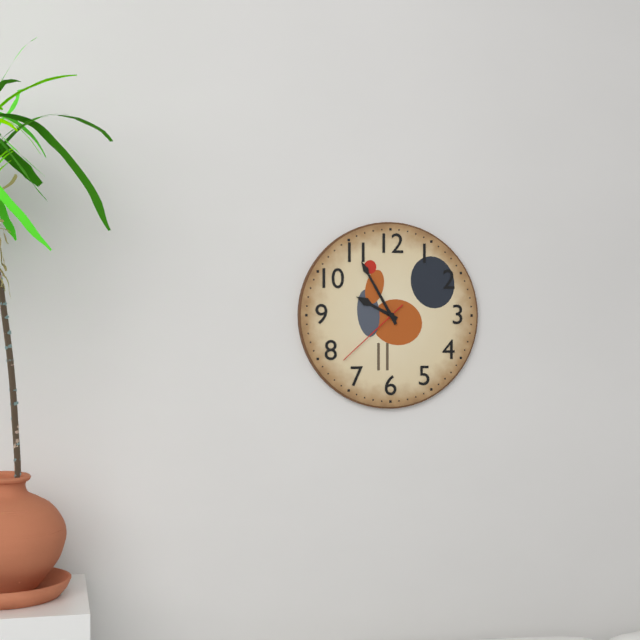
9:55:38
